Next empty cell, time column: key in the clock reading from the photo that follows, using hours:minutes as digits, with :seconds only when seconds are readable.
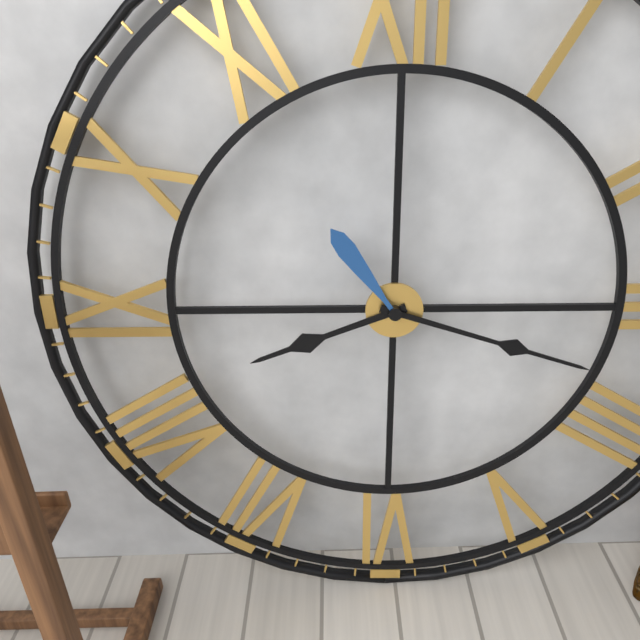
8:18:54
